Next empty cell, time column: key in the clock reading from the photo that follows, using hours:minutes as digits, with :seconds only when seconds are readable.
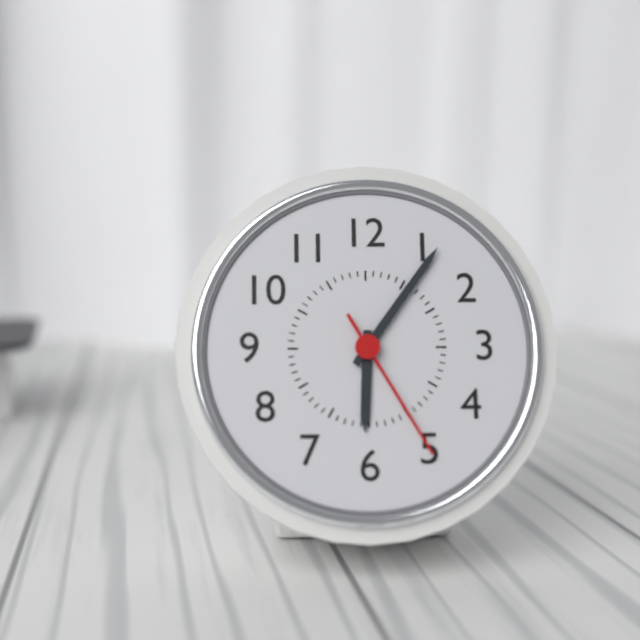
6:06:25
